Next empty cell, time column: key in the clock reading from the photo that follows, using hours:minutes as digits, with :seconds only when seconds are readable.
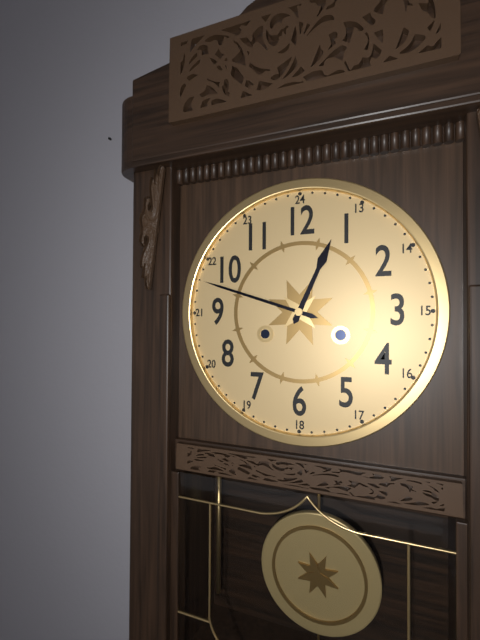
12:48
